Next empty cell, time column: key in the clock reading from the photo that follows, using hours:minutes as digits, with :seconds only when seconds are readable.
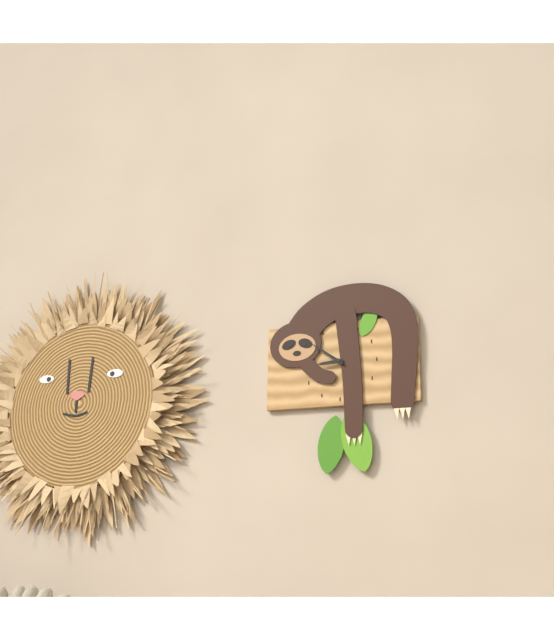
8:51
